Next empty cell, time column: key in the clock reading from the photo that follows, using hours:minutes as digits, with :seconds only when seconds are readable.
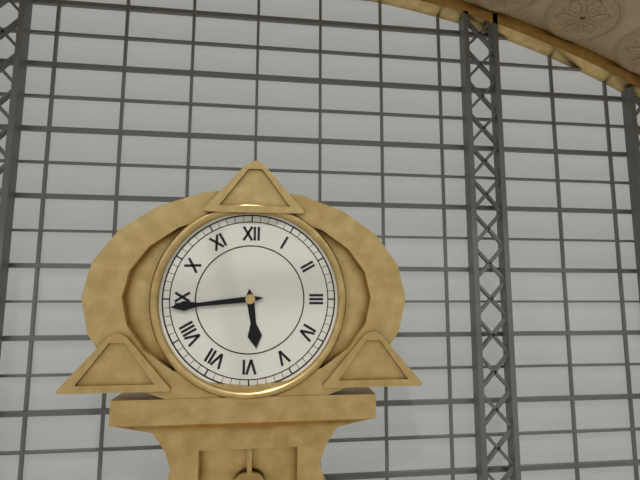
5:44
